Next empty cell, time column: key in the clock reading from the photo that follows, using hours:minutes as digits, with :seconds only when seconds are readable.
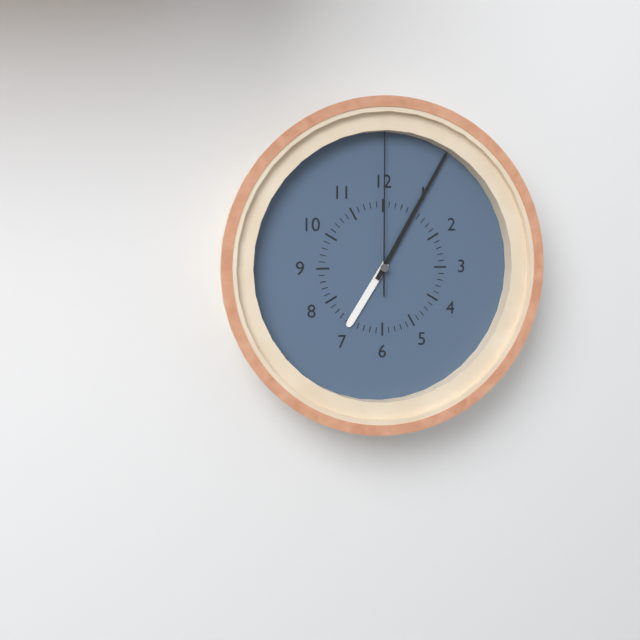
7:05:00
